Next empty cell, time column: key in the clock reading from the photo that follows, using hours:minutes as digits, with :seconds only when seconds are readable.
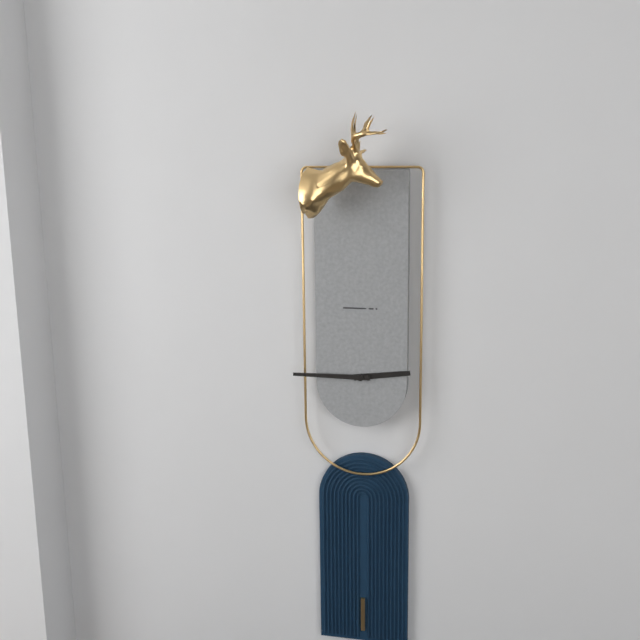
2:45
